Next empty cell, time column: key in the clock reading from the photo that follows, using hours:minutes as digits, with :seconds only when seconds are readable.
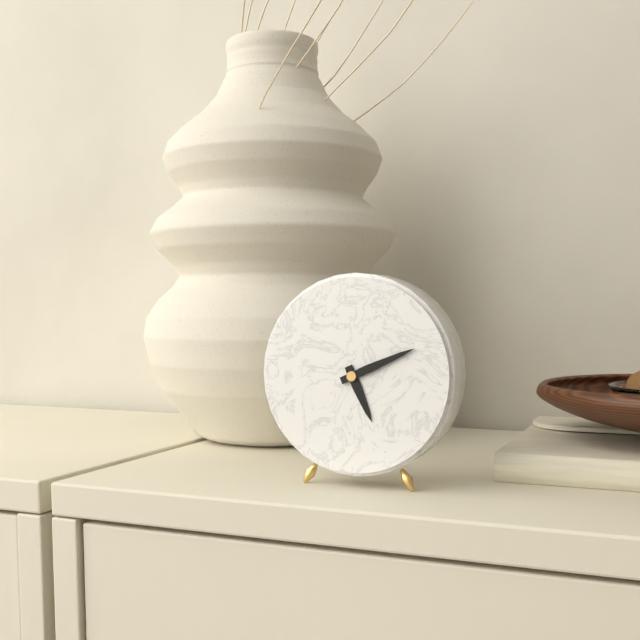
5:11
